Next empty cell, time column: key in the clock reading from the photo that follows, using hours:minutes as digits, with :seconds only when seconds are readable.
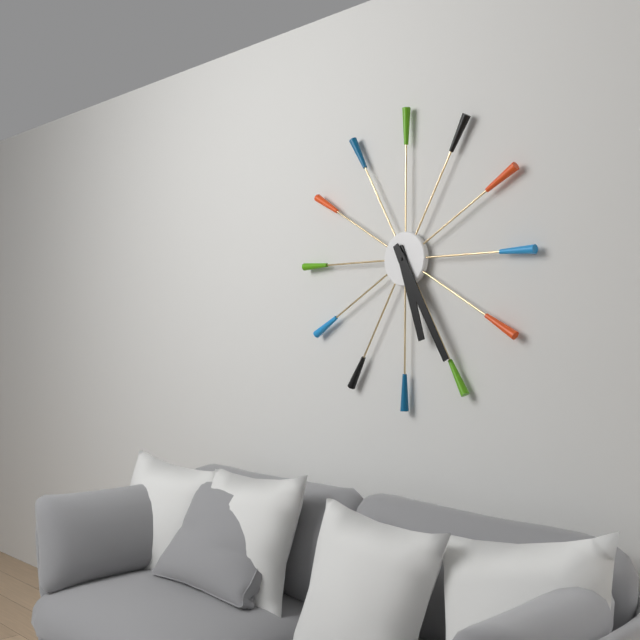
5:25
